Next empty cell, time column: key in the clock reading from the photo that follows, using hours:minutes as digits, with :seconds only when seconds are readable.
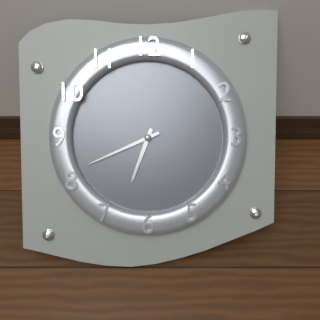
6:41
